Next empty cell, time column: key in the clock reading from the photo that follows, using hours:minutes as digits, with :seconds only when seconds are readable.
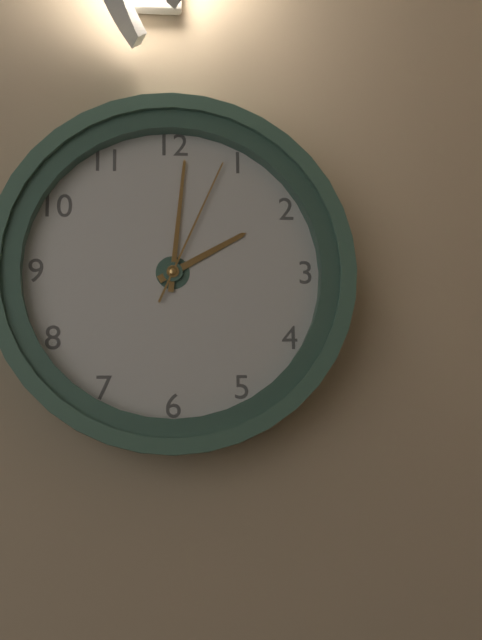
2:01:04
